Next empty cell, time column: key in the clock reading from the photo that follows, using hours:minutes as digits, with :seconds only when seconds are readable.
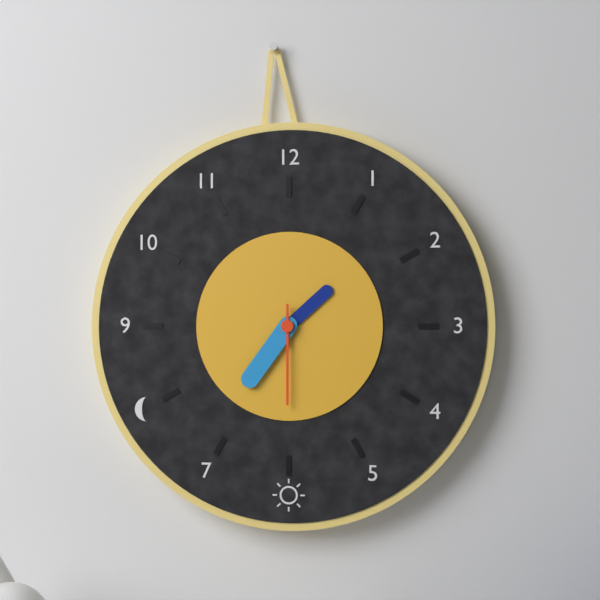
1:36:30
